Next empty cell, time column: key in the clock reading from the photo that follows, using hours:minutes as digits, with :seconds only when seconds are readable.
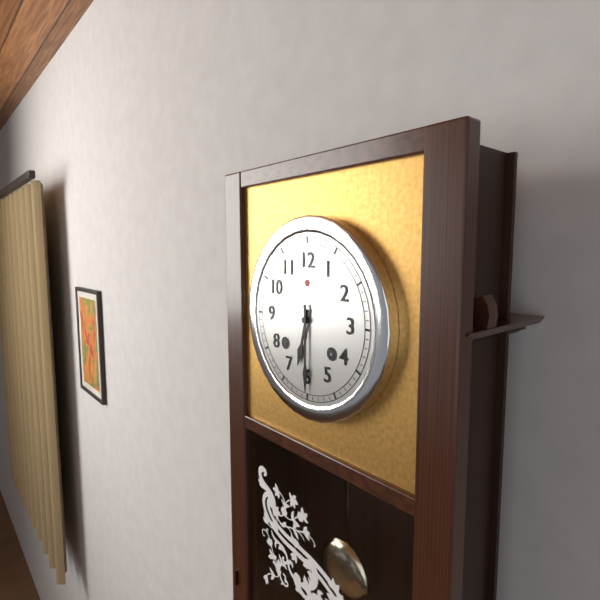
6:30
